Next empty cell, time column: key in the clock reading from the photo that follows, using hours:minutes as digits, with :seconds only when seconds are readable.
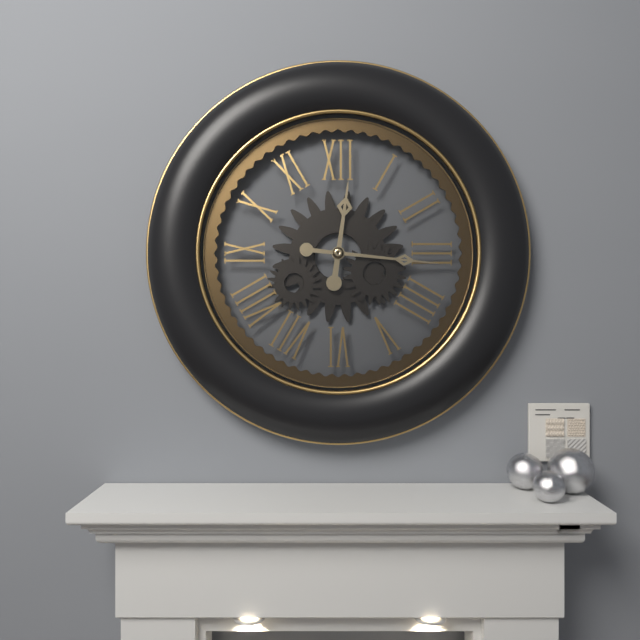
12:16
